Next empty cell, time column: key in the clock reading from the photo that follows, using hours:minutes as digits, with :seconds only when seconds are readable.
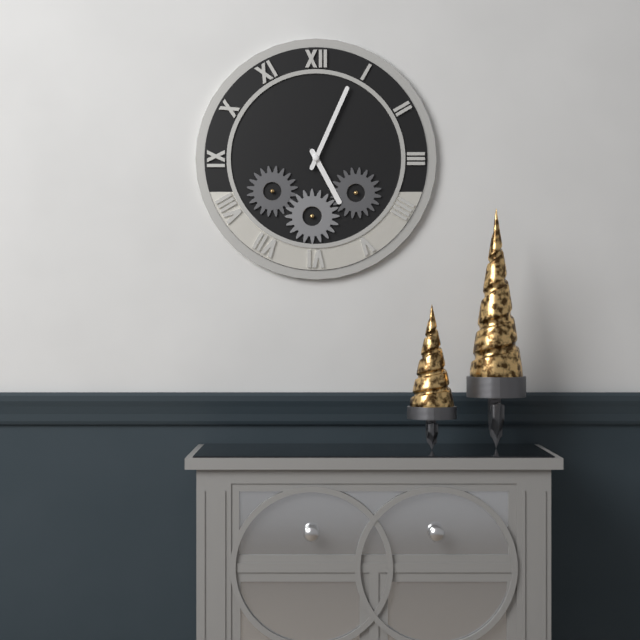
5:04
